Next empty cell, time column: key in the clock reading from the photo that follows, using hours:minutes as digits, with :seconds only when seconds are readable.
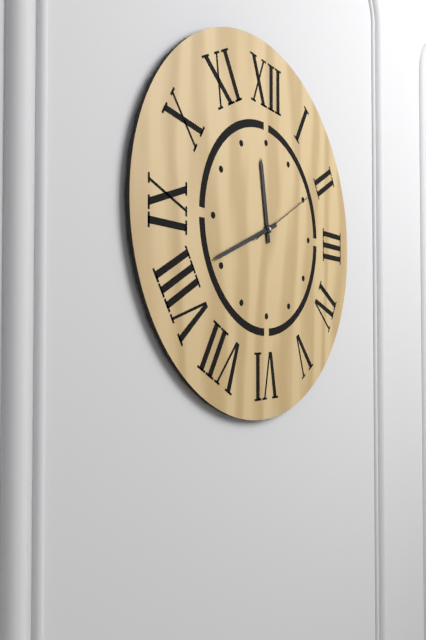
11:41:10
